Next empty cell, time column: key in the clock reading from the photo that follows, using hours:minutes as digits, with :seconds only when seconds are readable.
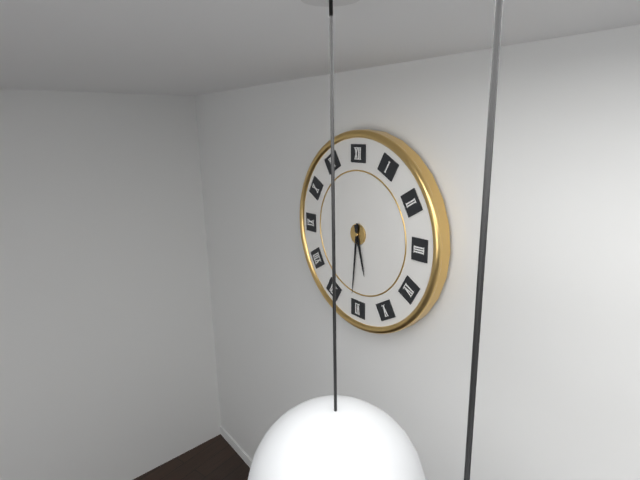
5:31
